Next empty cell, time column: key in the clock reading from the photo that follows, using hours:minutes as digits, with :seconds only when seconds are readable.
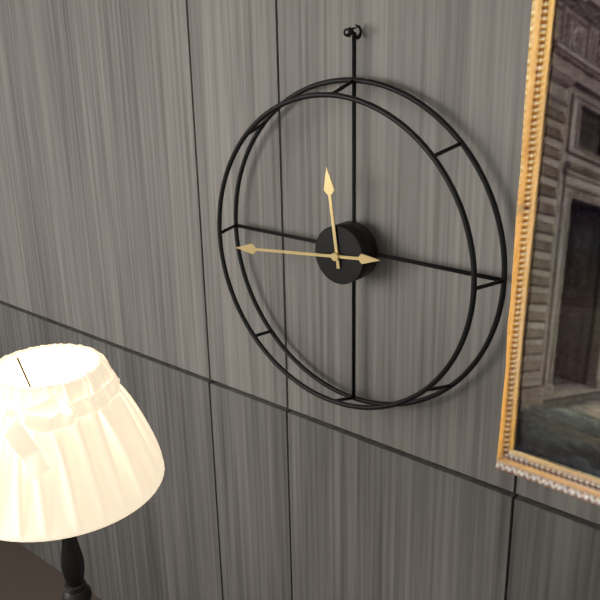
11:44
